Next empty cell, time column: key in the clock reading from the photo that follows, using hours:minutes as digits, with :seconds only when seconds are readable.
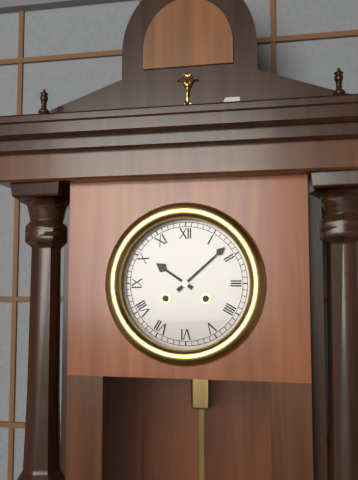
10:08
